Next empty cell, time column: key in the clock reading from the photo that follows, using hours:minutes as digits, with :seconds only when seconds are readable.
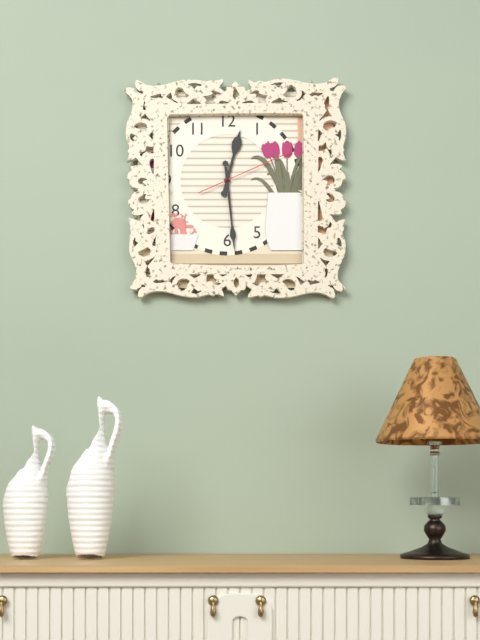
12:29:11
